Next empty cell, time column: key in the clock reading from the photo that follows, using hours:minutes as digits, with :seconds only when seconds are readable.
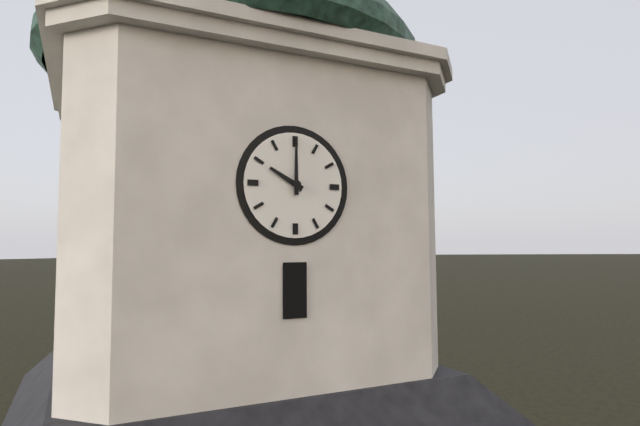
10:00
